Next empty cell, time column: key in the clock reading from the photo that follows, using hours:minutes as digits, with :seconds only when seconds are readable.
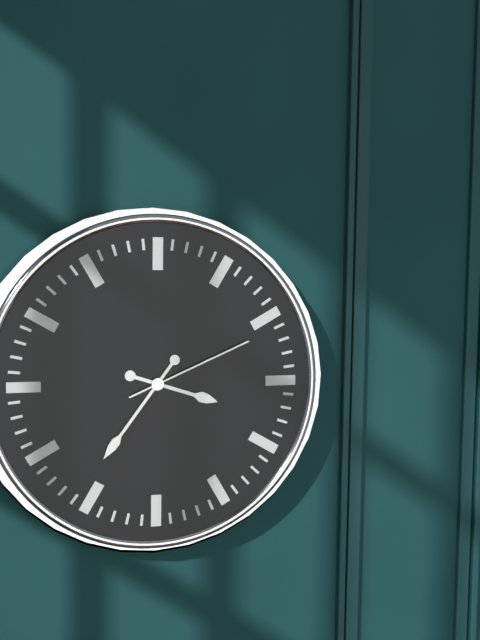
3:36:11
